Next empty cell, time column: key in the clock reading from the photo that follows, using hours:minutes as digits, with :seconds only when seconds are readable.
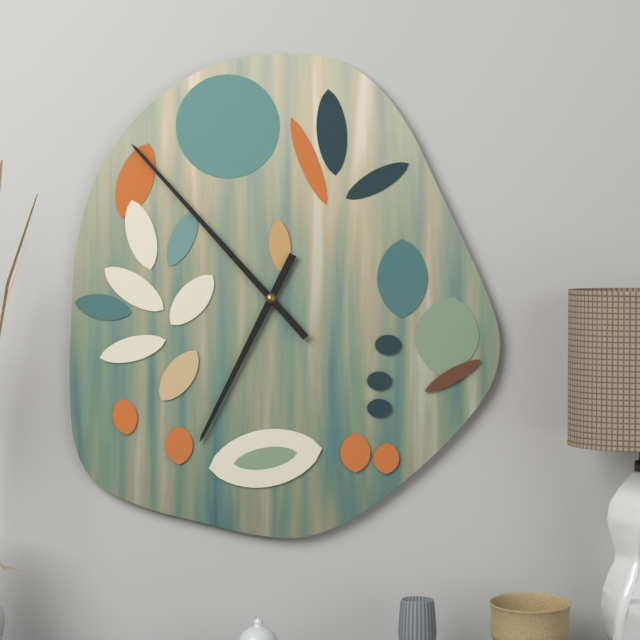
6:53
